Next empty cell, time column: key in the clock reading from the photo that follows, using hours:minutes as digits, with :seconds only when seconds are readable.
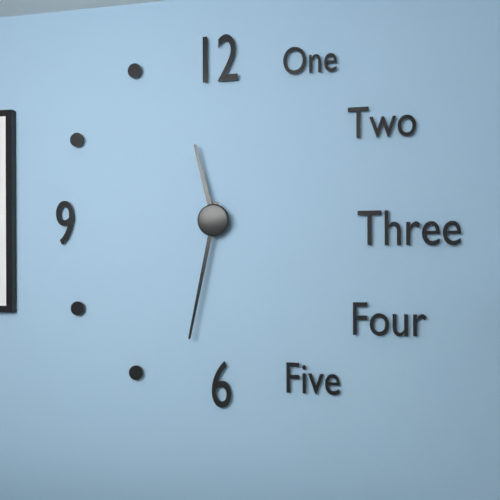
11:32
